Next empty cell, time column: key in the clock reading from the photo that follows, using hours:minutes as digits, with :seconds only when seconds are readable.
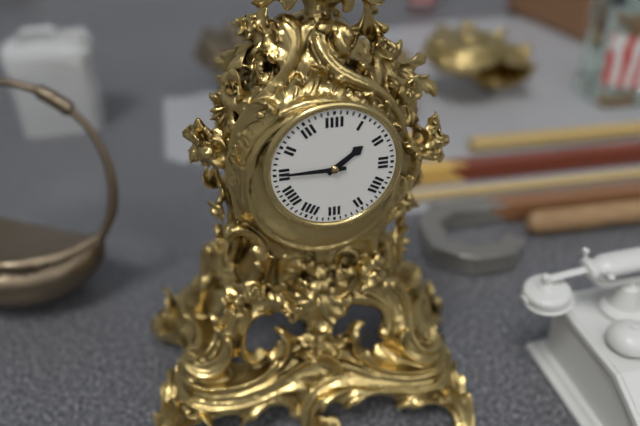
1:45
